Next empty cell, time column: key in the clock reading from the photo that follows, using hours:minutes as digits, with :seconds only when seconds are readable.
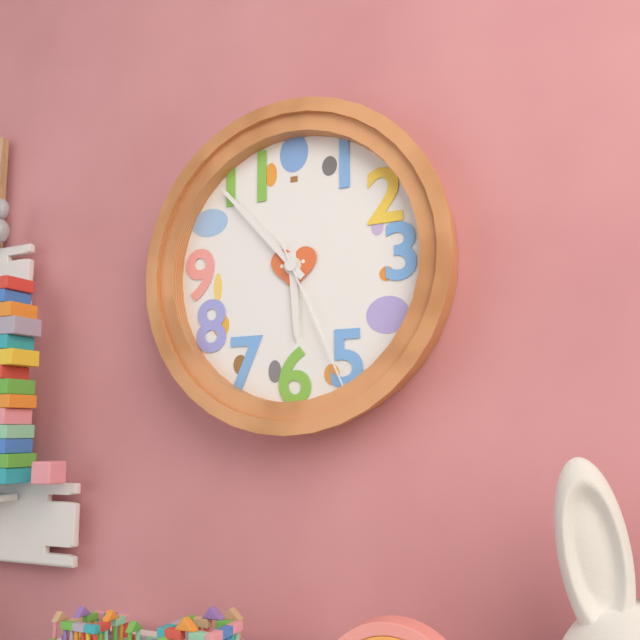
5:53:26
